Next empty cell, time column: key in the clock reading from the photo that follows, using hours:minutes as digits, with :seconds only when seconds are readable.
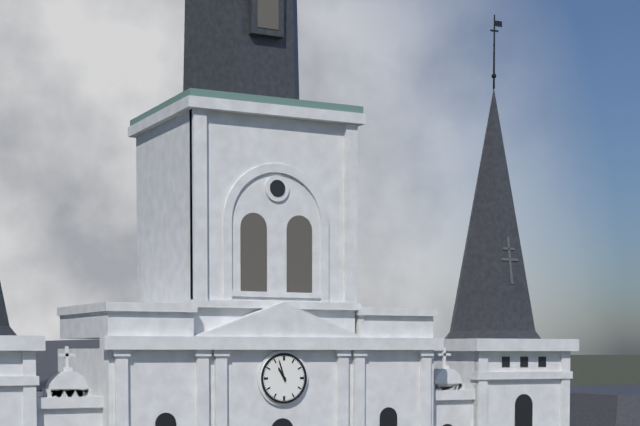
10:57
